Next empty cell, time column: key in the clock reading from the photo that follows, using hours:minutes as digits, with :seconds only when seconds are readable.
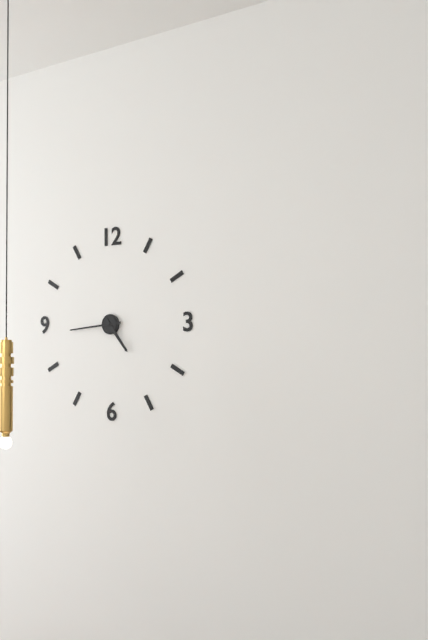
4:44
